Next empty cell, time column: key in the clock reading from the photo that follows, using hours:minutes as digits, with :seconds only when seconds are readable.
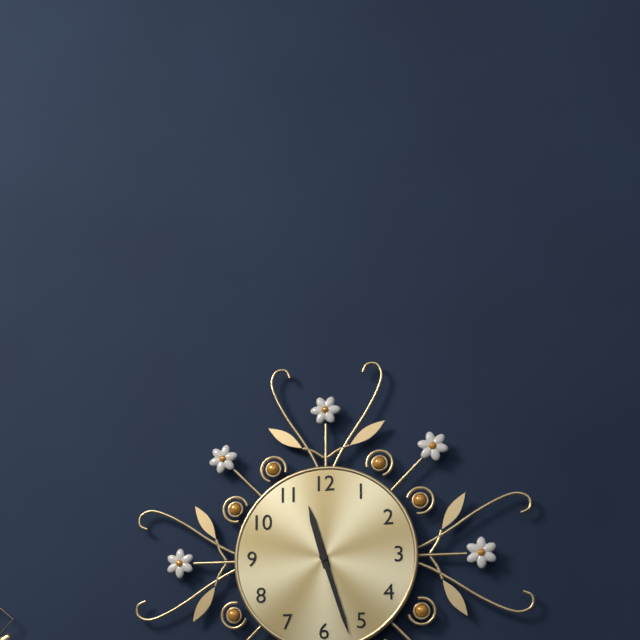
11:27
